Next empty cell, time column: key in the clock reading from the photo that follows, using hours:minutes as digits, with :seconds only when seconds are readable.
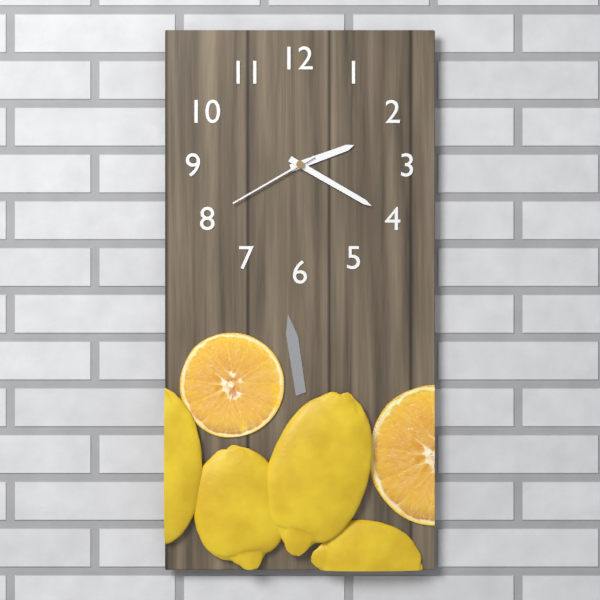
2:20:40
